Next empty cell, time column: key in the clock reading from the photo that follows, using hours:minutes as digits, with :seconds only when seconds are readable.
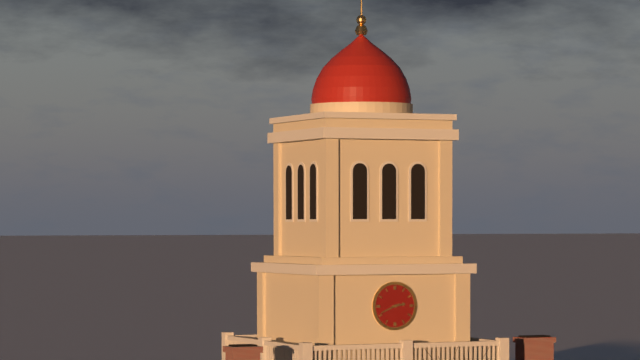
2:41
